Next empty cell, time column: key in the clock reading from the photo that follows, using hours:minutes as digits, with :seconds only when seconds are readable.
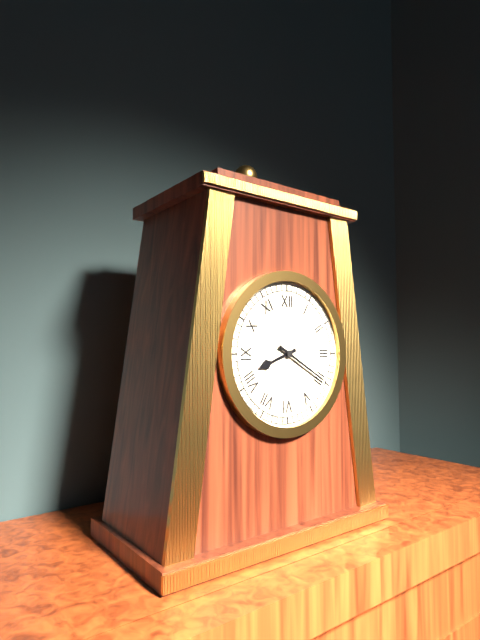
8:20
